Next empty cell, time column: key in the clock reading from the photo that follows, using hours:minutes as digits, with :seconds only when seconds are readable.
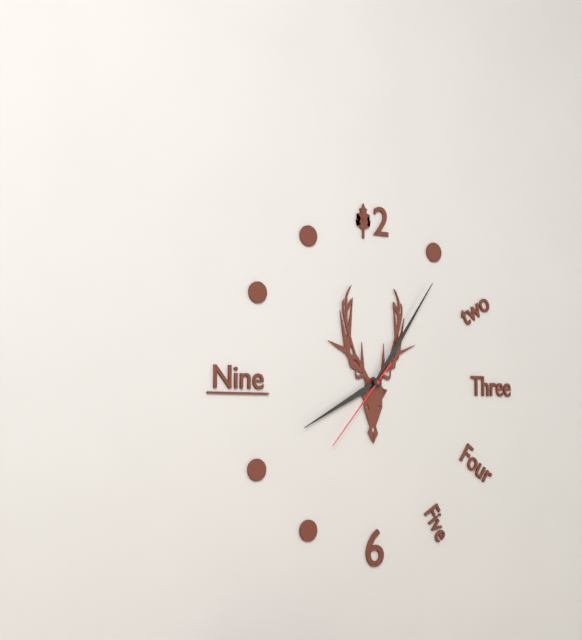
8:06:37
